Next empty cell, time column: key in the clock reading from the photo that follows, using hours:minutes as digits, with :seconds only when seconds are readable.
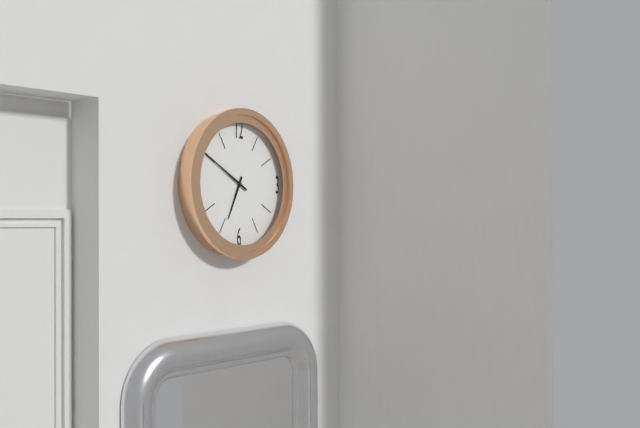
6:50
